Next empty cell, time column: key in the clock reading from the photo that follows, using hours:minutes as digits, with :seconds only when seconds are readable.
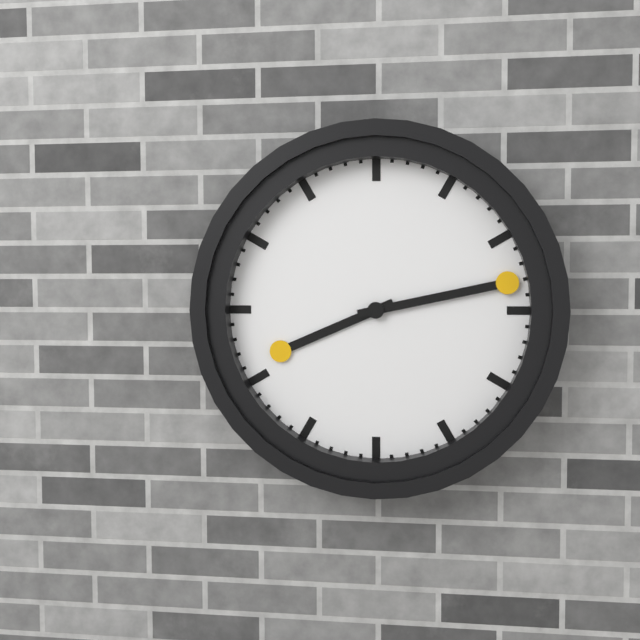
8:13
